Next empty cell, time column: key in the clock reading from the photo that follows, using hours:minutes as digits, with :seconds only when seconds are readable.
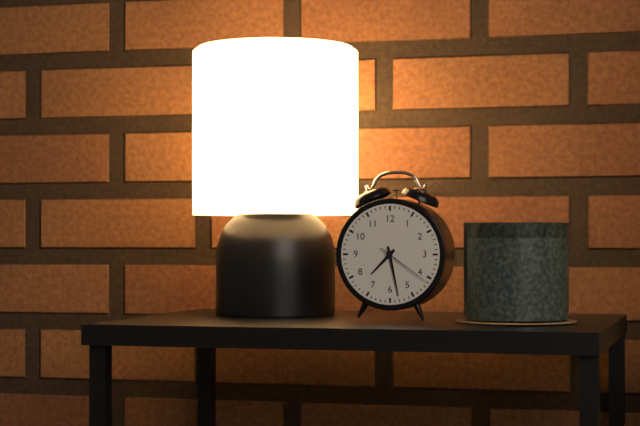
7:28:21
